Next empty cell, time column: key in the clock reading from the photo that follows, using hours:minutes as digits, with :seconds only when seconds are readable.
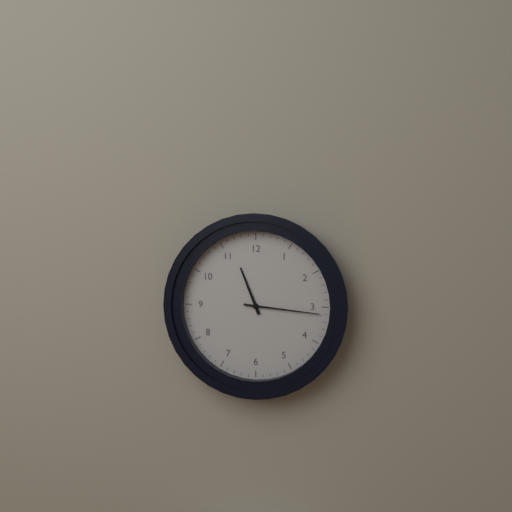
11:16
